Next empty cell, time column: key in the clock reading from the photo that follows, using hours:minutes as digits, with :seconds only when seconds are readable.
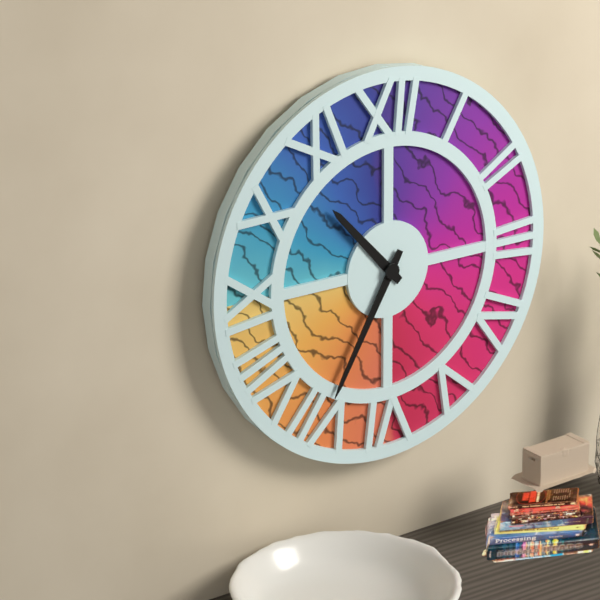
10:35
